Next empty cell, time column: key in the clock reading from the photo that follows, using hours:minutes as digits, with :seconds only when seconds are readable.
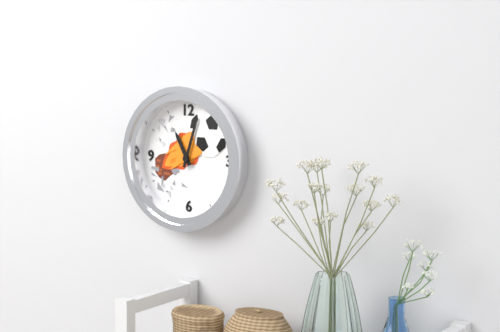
11:03
